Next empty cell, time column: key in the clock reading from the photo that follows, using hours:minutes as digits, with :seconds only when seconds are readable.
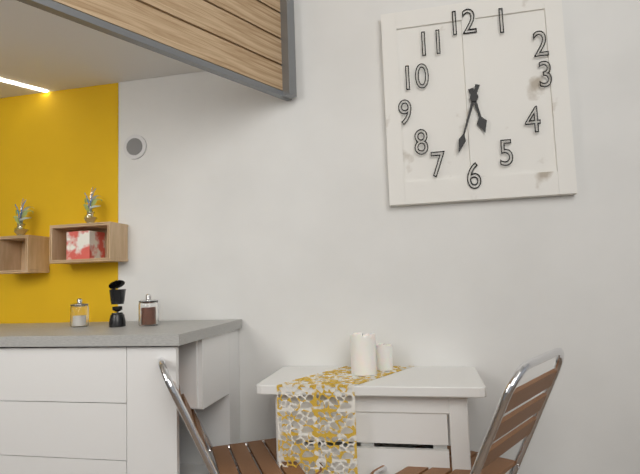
5:33
